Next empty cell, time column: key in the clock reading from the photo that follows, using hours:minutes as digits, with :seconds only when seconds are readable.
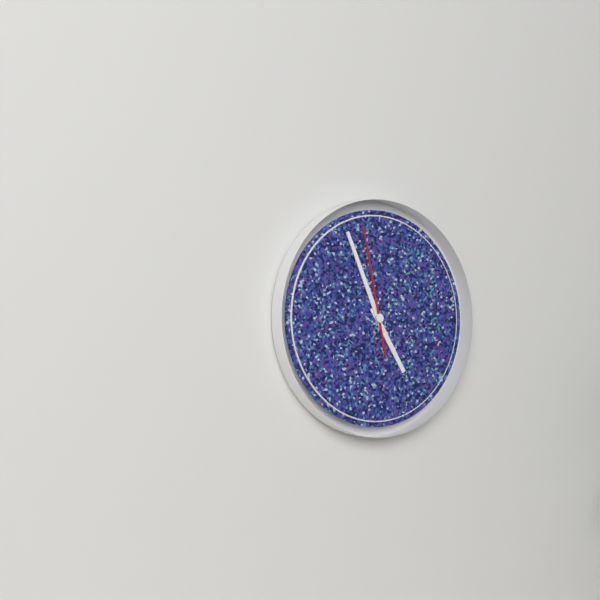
4:56:58
